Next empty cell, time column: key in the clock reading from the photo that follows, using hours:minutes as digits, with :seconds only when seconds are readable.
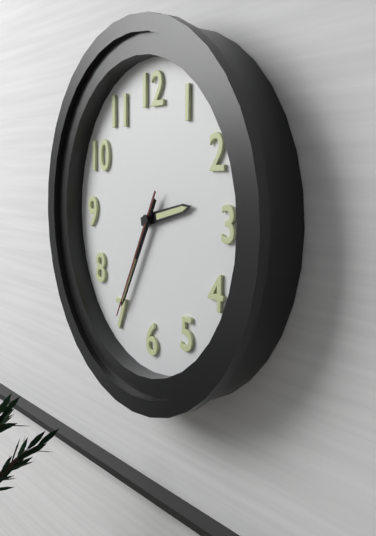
2:35:35
